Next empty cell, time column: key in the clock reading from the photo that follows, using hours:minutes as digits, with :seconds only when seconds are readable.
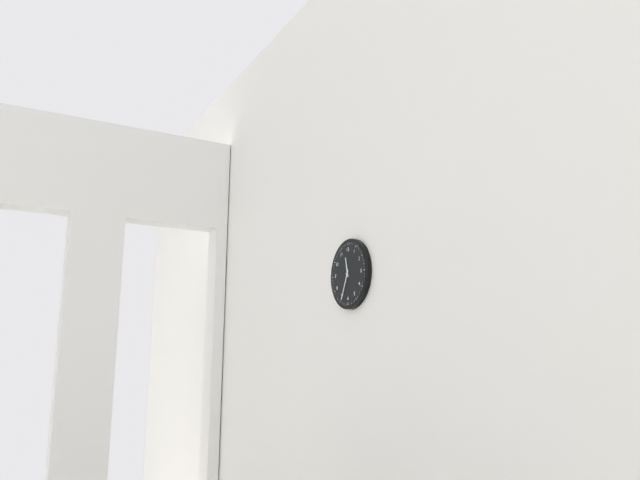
11:34
